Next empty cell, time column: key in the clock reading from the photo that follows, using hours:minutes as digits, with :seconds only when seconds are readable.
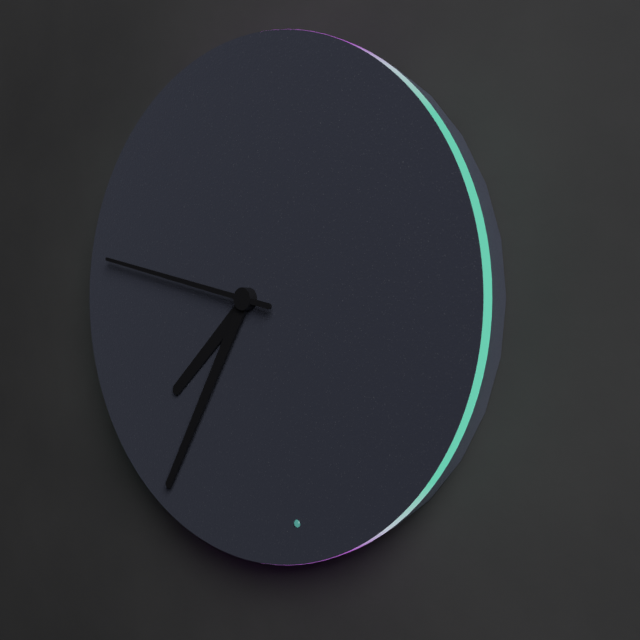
7:35:47
